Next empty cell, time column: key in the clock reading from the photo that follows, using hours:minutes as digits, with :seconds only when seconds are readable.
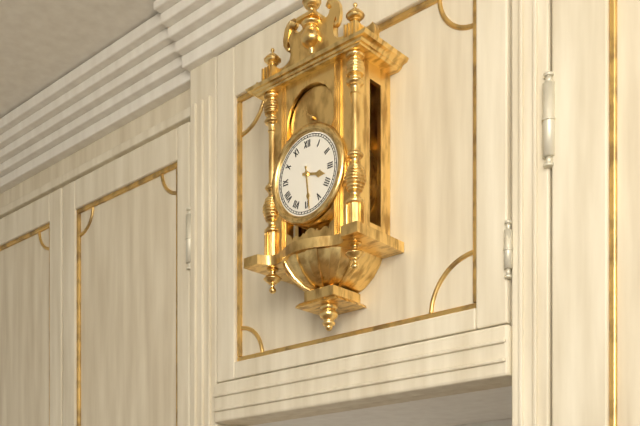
3:29
